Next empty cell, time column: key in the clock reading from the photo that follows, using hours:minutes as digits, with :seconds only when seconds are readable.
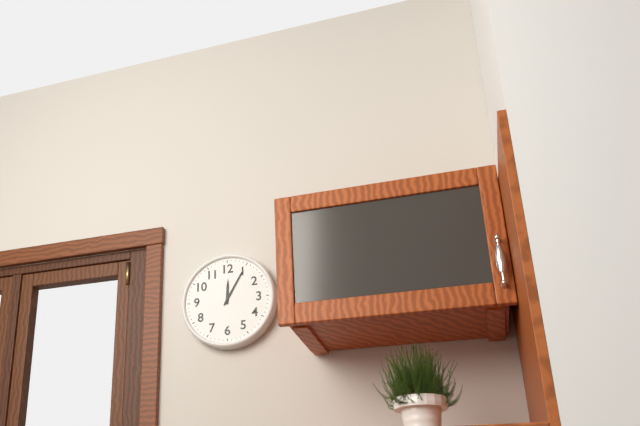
12:05
